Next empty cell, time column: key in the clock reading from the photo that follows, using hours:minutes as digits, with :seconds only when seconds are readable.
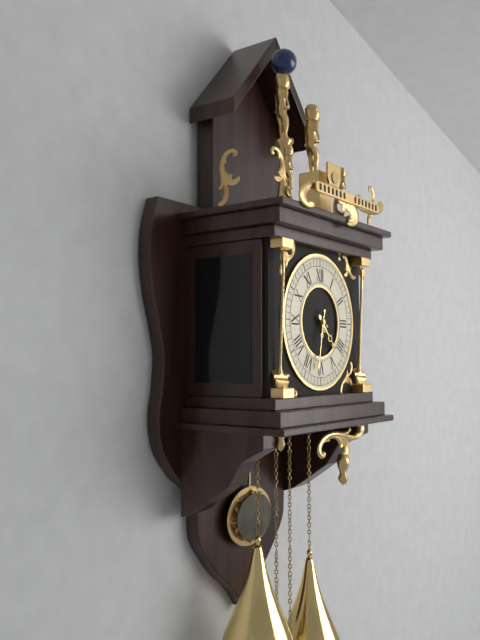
4:32
